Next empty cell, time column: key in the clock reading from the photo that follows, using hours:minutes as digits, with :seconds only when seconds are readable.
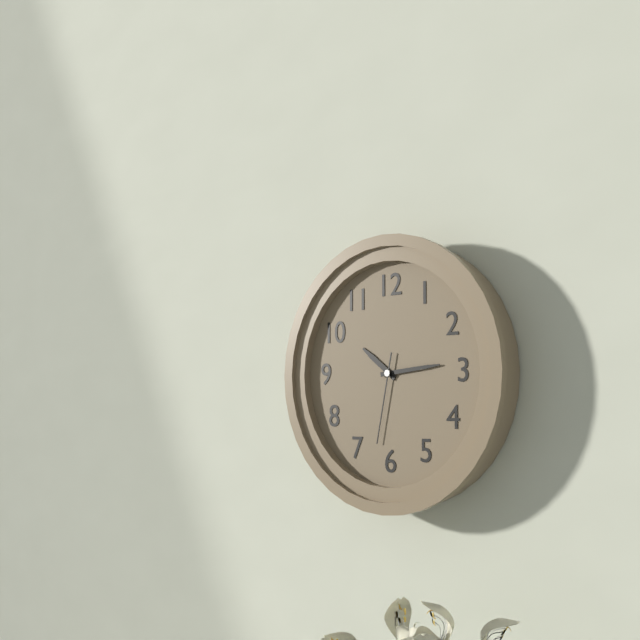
10:14:32
